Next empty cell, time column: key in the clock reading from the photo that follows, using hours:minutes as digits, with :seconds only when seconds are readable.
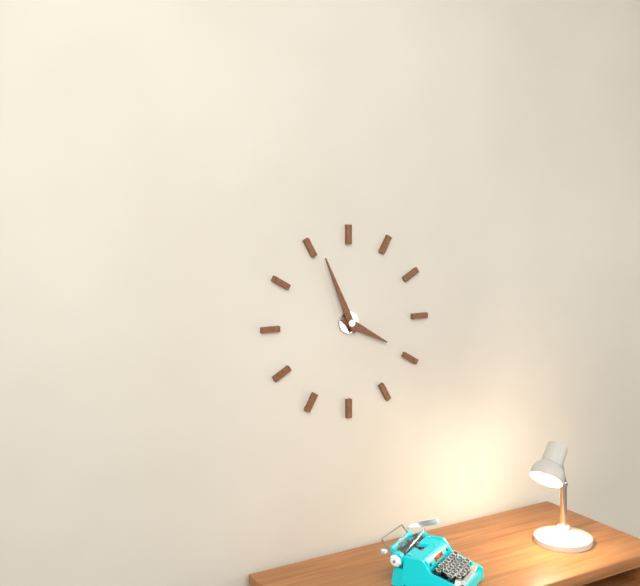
3:56
